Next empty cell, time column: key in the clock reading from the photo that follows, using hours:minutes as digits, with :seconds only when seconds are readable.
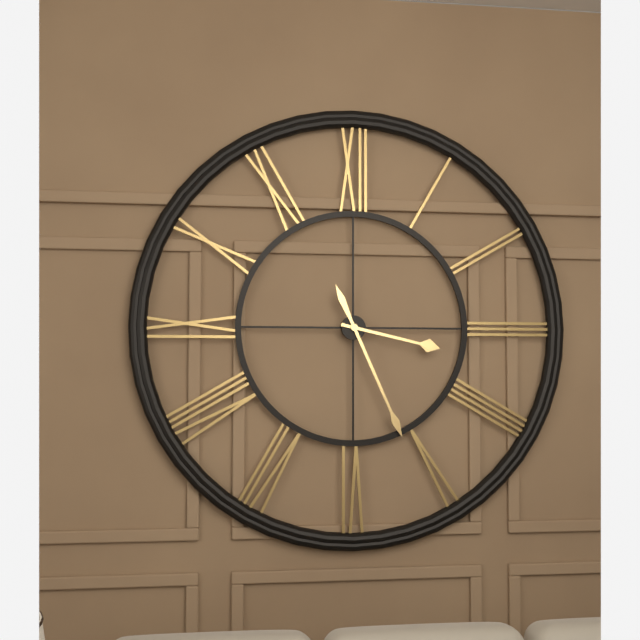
3:26
